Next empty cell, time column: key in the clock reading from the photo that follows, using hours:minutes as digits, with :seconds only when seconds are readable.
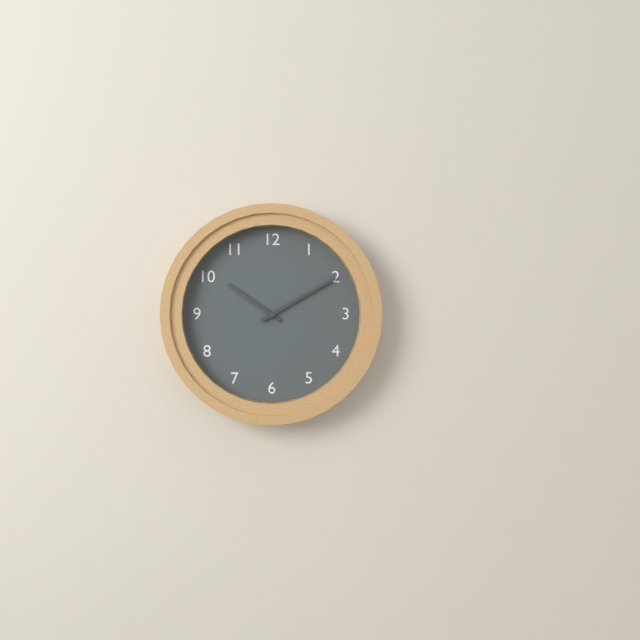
10:10
